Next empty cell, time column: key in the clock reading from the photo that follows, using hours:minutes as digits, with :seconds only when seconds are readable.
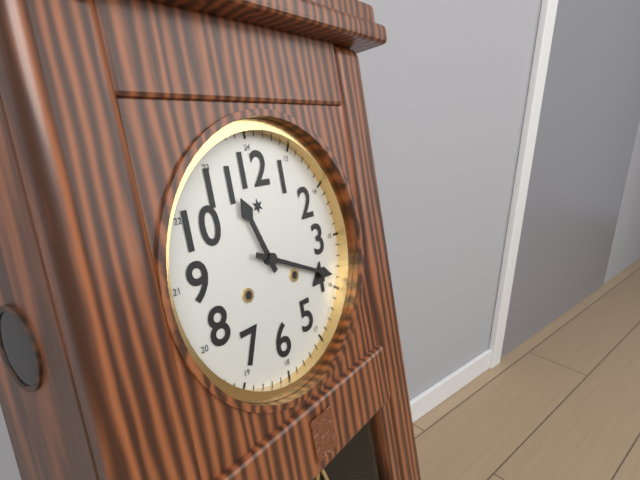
11:19
